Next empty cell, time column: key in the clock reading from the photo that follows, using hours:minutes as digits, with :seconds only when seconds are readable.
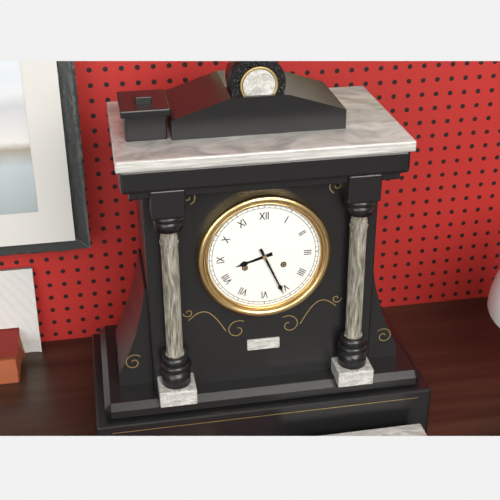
8:26
